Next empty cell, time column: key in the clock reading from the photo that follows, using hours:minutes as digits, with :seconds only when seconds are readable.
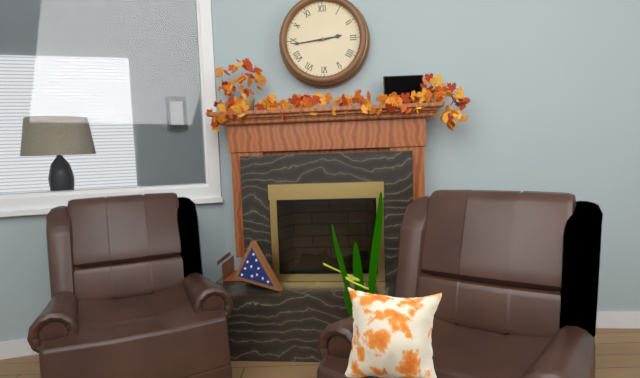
2:44
